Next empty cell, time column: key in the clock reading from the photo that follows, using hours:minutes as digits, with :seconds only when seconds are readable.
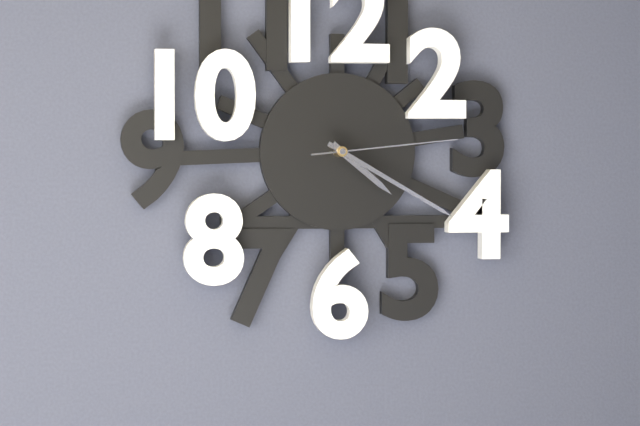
4:20:14
